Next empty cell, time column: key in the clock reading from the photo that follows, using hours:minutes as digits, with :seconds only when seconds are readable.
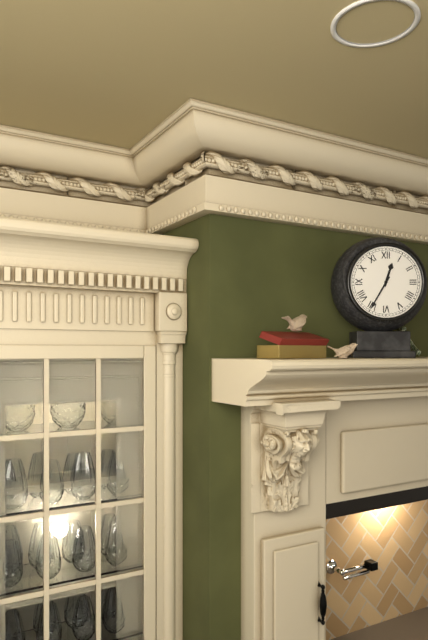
12:35
